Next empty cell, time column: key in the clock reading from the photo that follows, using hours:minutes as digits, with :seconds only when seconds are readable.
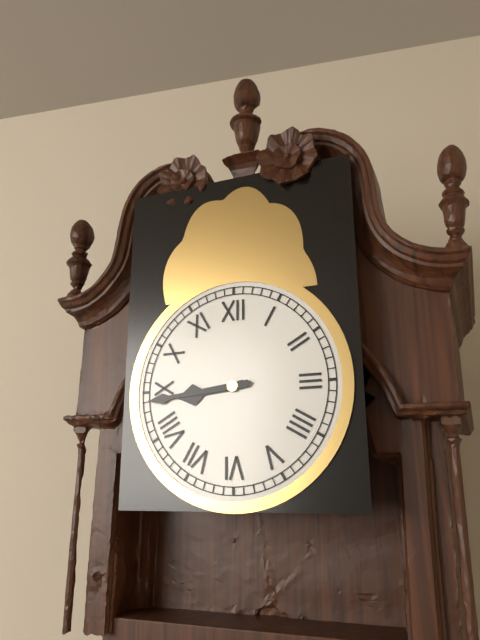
8:44
